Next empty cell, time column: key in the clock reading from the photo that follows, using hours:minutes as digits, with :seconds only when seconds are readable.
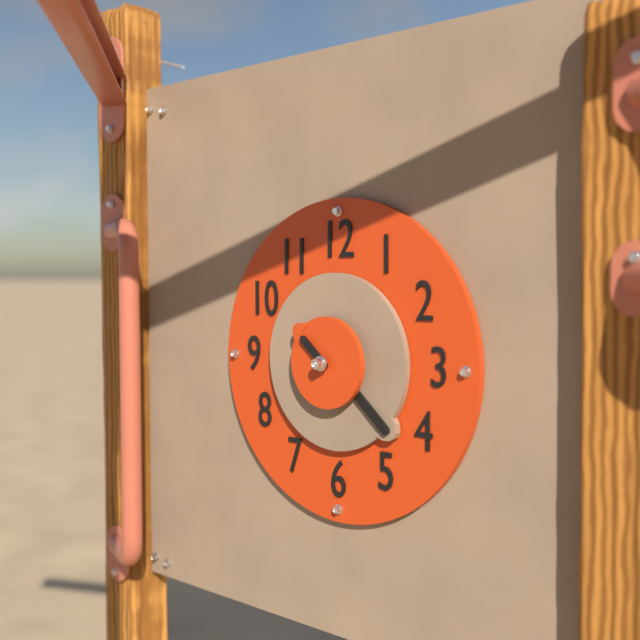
10:22
